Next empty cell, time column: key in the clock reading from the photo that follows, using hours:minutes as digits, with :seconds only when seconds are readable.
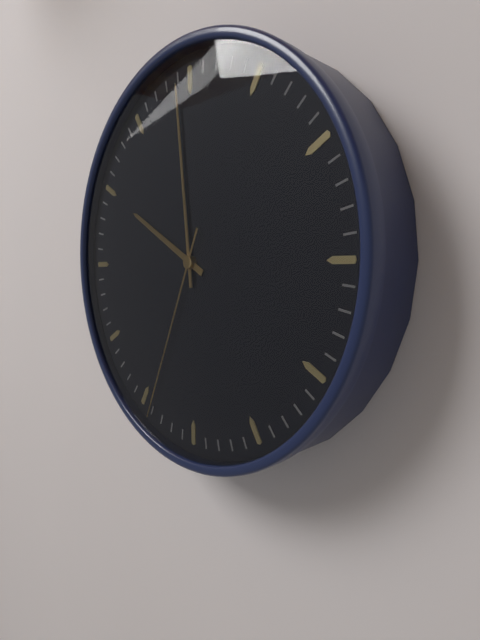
9:59:34
